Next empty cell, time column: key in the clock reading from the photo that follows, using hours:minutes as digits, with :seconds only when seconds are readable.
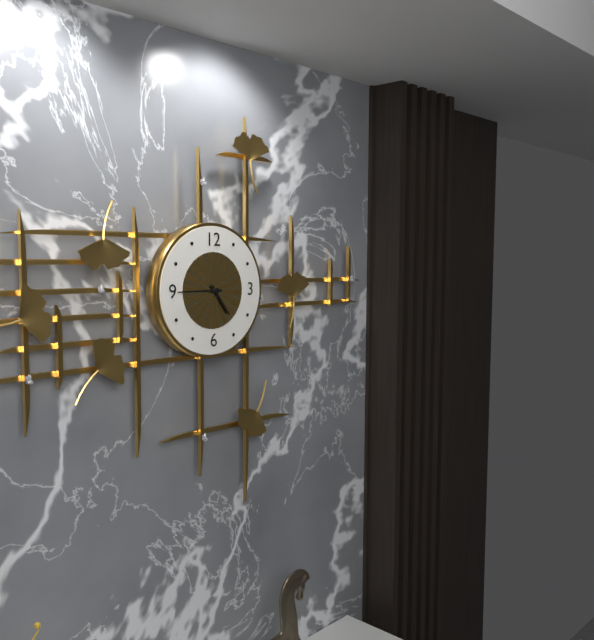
4:45
